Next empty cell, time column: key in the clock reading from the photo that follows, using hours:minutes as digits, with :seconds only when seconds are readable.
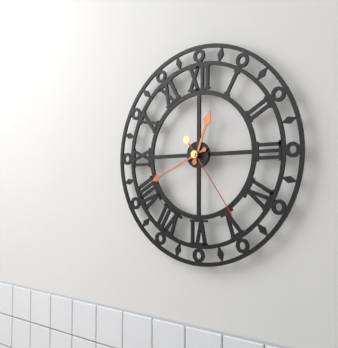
12:41:24
